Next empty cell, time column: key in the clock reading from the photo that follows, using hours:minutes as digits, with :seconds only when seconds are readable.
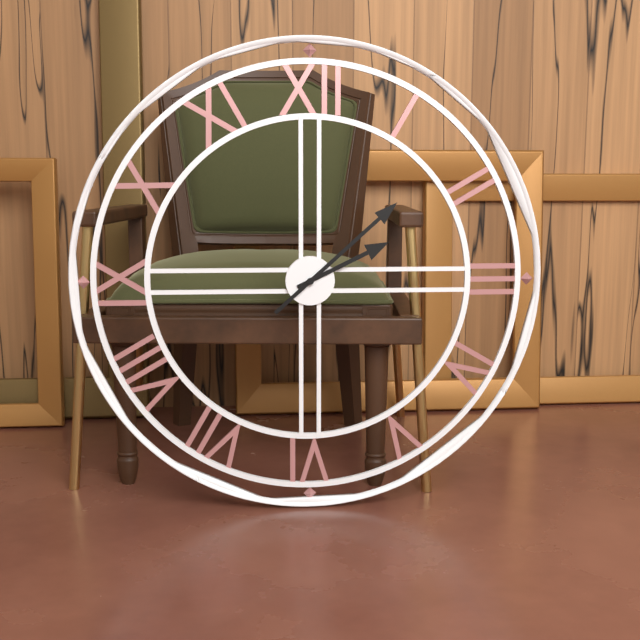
2:08
